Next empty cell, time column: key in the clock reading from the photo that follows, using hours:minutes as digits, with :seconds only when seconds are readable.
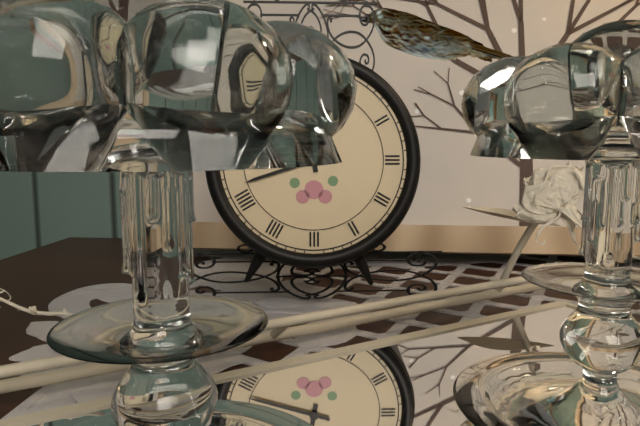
11:42
